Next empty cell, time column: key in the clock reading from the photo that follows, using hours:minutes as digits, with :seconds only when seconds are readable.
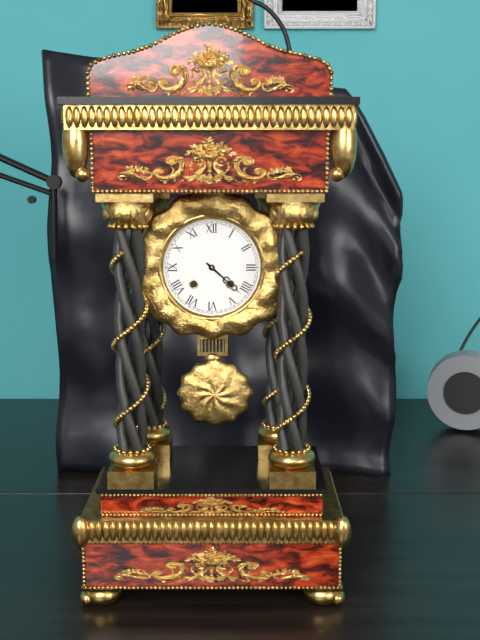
4:22
